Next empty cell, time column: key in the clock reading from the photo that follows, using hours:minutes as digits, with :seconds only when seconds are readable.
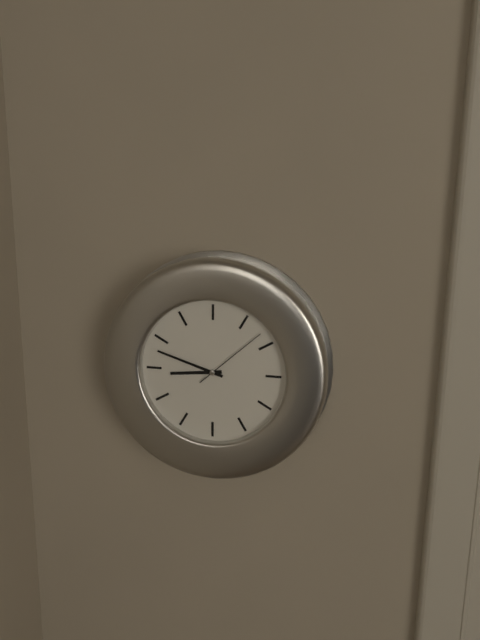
8:48:08
